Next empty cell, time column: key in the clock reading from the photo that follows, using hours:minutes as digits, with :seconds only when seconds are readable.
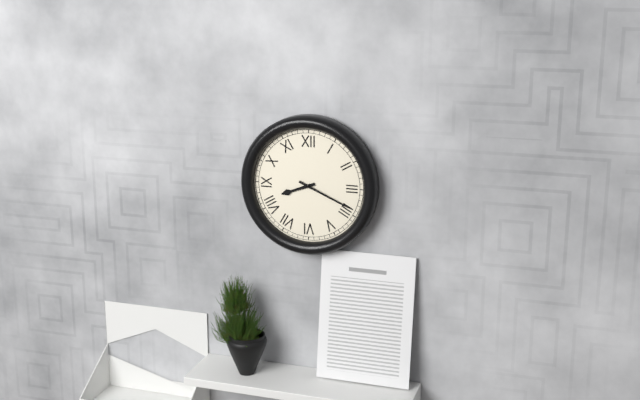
8:19
